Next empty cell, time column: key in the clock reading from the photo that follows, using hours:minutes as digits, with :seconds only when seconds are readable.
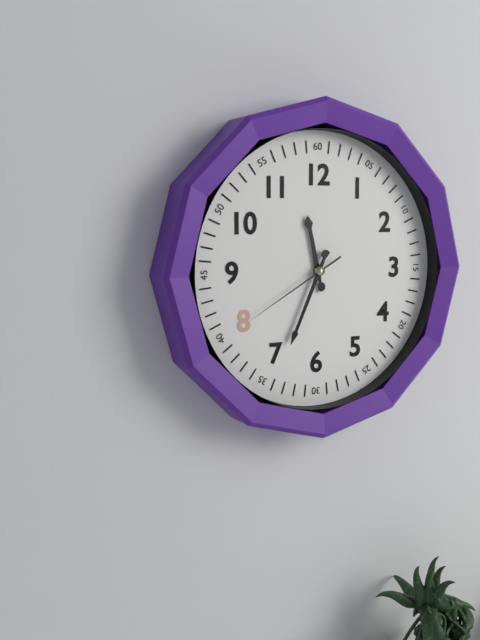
11:34:40
